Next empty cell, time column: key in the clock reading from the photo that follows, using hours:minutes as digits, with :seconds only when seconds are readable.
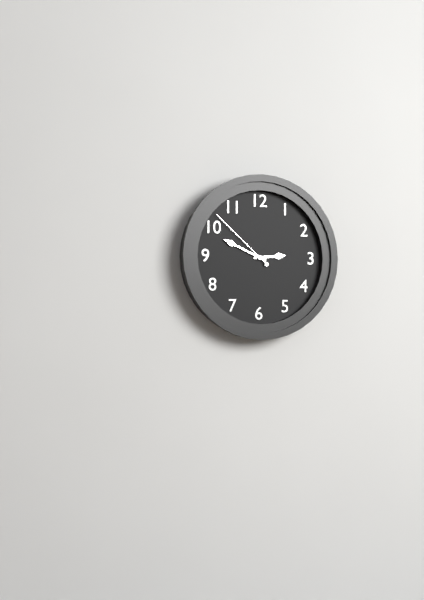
2:49:52
